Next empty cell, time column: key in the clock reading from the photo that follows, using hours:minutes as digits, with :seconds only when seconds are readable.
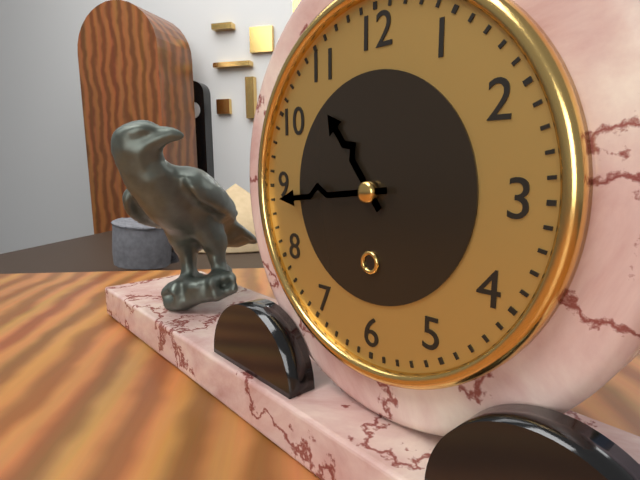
10:44
